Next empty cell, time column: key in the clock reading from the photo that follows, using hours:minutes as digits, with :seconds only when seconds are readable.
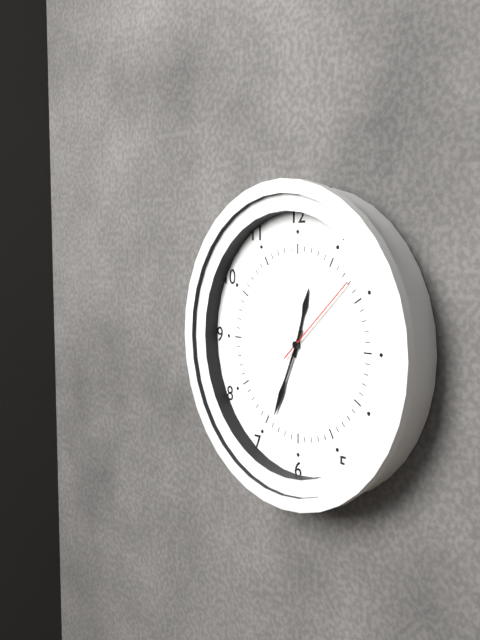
12:34:08
